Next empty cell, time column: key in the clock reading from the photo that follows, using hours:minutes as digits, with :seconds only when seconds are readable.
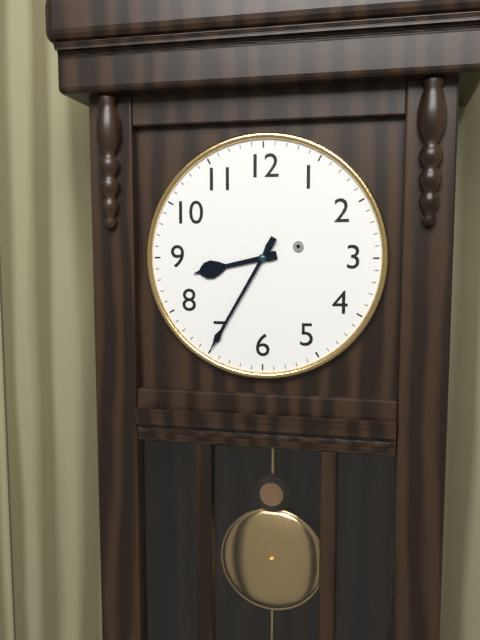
8:35
